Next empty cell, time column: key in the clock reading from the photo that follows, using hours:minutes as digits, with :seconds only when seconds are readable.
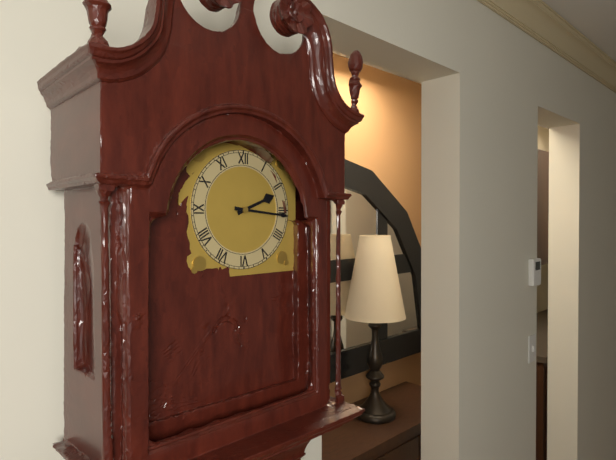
2:16
